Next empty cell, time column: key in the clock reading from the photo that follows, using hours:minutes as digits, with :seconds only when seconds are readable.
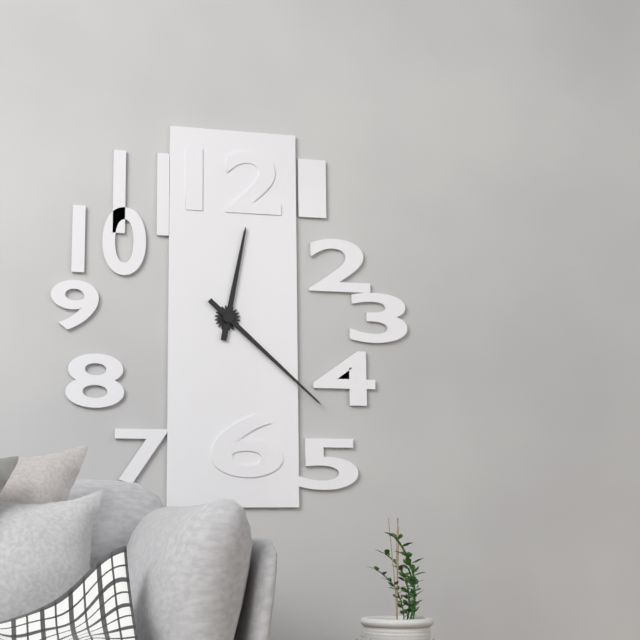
12:22
